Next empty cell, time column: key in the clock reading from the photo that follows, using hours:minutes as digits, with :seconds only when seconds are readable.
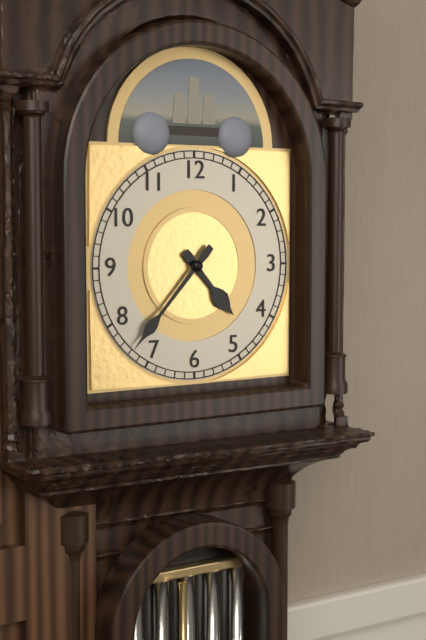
4:37
